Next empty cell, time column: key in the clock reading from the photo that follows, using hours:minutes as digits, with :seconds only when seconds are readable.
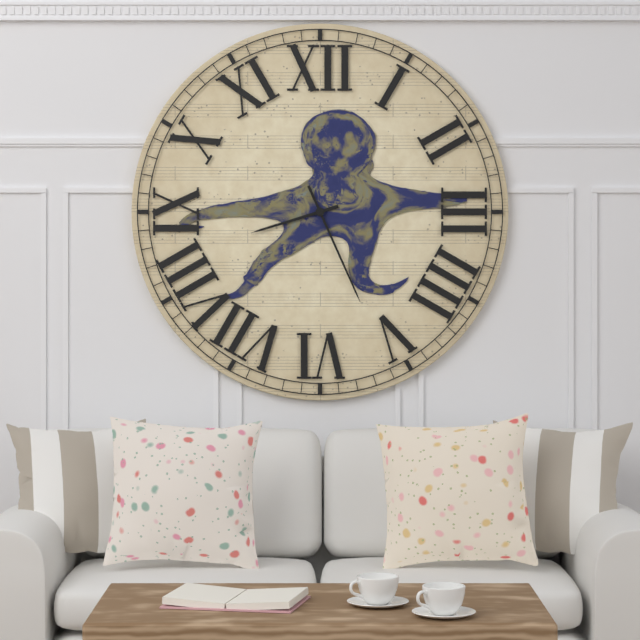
8:26
